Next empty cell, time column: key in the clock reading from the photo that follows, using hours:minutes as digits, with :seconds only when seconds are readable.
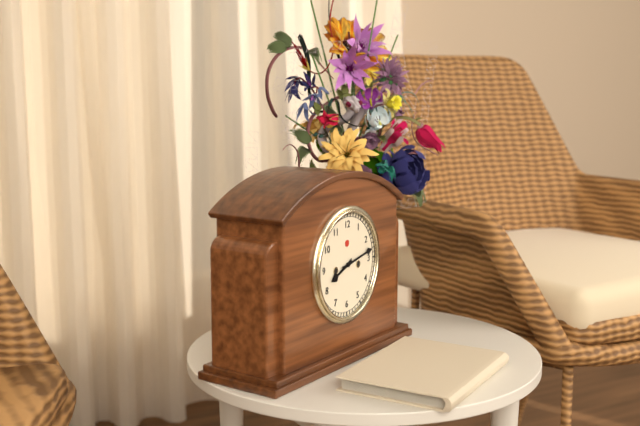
8:13
